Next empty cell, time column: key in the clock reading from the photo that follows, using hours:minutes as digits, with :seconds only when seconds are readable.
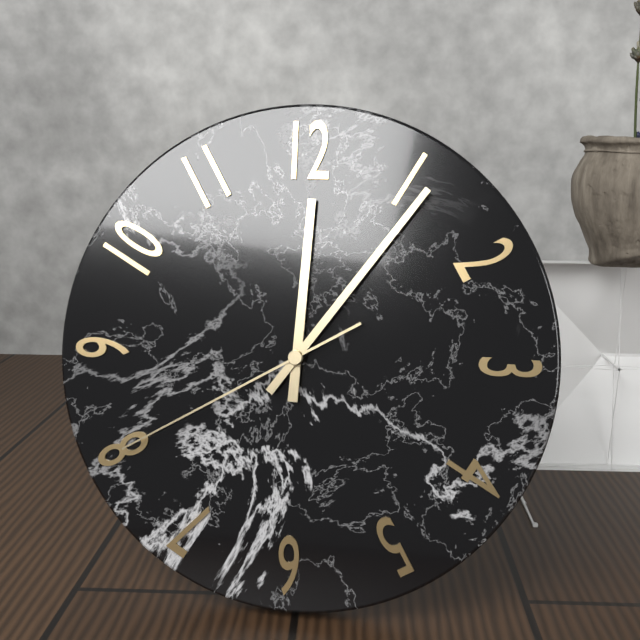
12:06:40
